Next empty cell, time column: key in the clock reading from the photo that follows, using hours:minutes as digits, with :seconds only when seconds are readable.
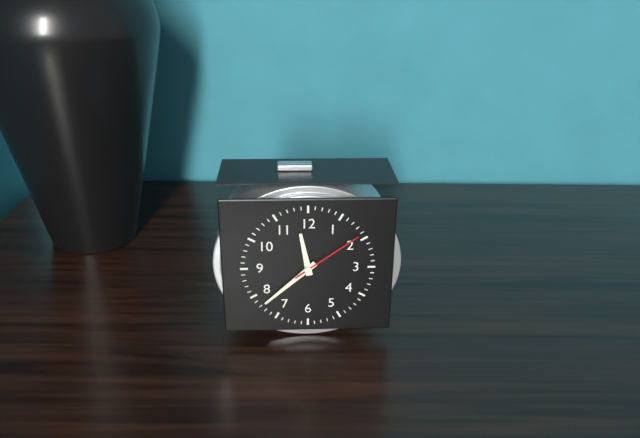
11:38:09
